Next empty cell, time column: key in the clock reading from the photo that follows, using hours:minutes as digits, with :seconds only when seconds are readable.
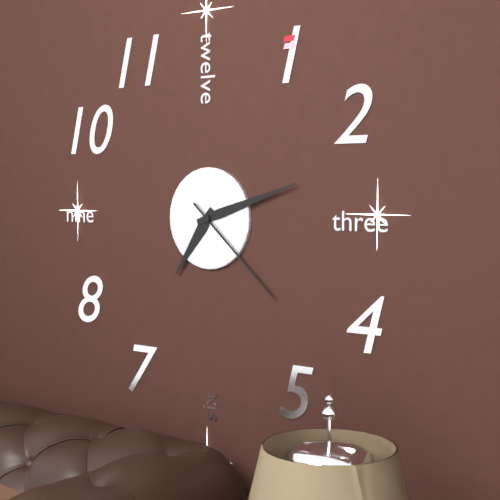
7:12:22
